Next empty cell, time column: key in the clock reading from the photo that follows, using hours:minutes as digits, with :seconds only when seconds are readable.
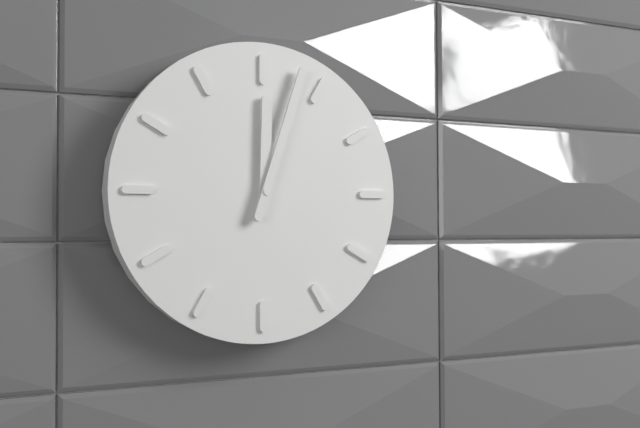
12:03
